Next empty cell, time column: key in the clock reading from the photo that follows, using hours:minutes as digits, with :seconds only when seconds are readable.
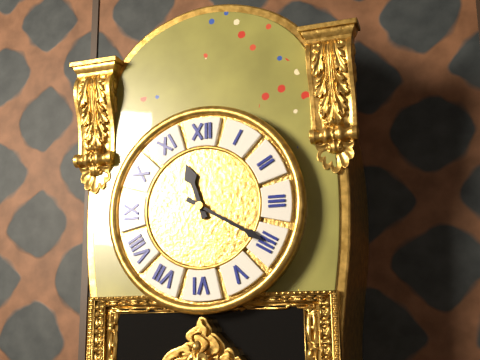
11:20
